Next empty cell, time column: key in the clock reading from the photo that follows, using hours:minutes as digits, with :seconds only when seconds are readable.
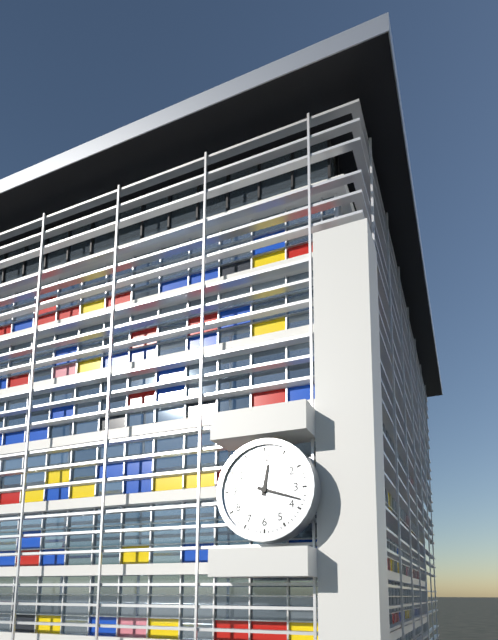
12:18
